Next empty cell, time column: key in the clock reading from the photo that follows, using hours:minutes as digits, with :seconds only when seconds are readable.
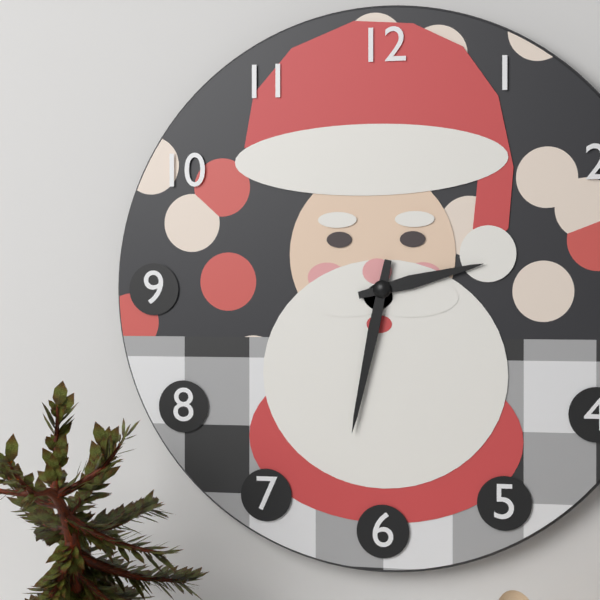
2:32
